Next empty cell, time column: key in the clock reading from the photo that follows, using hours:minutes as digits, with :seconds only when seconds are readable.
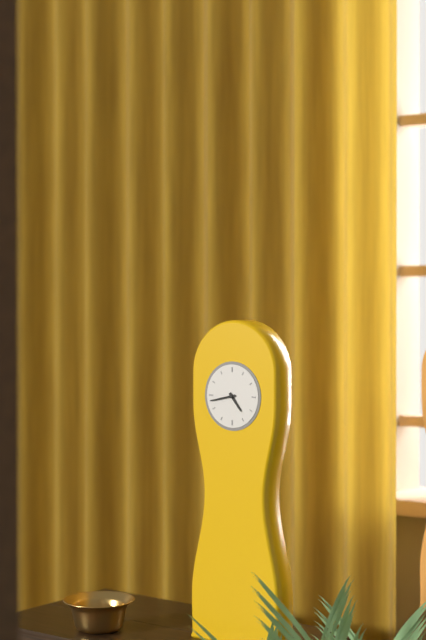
4:43
